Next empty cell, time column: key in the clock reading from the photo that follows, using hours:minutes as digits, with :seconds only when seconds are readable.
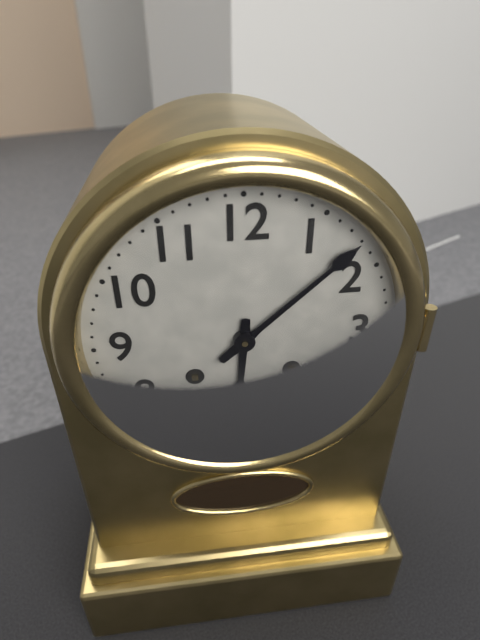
6:08
